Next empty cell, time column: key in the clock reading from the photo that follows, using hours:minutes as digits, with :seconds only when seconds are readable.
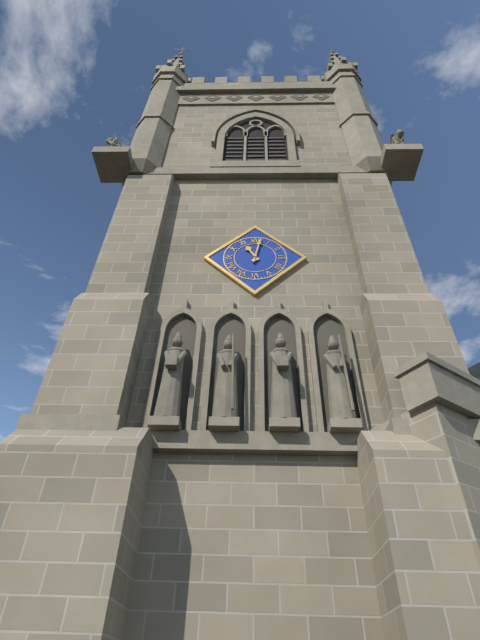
11:02
